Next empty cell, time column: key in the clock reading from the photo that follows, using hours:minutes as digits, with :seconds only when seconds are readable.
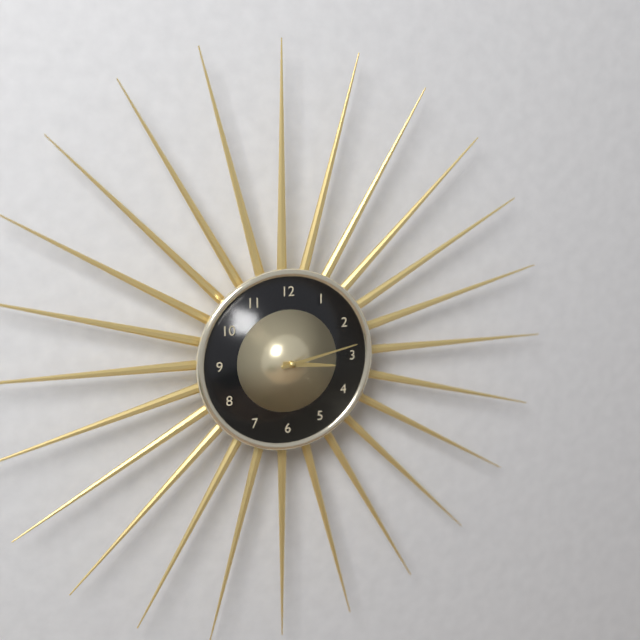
3:13
